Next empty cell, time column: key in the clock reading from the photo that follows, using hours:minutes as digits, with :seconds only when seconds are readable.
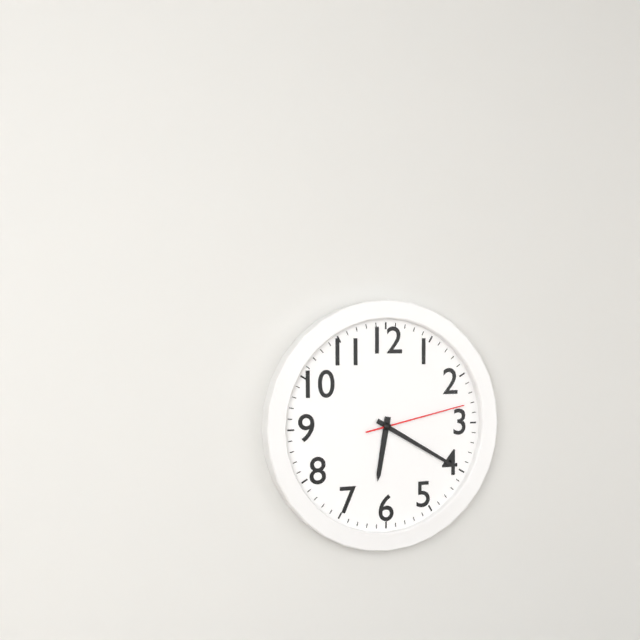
6:20:13
